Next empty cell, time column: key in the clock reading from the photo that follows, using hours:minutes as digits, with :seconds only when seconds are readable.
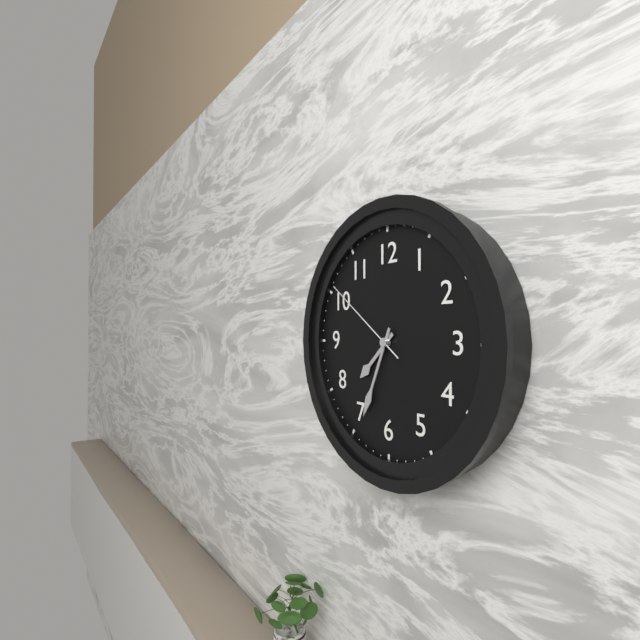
7:34:51
